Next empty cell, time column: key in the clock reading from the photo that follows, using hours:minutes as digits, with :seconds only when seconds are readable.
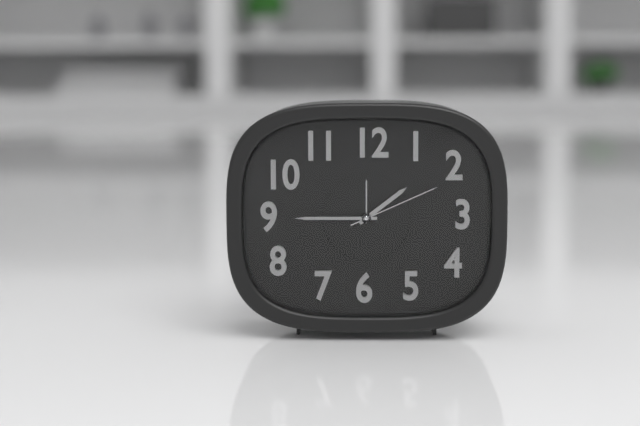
1:45:11
